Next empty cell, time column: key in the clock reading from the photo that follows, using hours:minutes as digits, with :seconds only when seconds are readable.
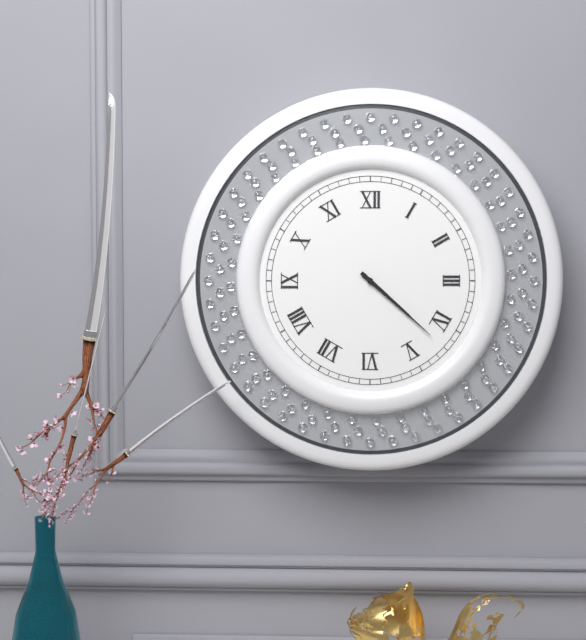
4:22
